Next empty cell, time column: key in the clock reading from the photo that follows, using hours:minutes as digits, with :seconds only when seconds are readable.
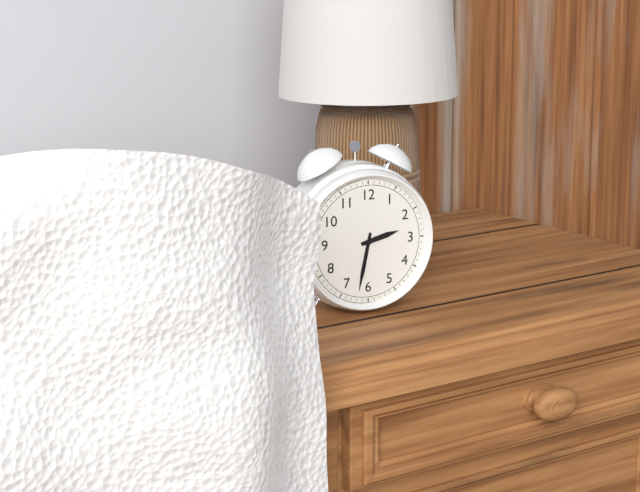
2:32
